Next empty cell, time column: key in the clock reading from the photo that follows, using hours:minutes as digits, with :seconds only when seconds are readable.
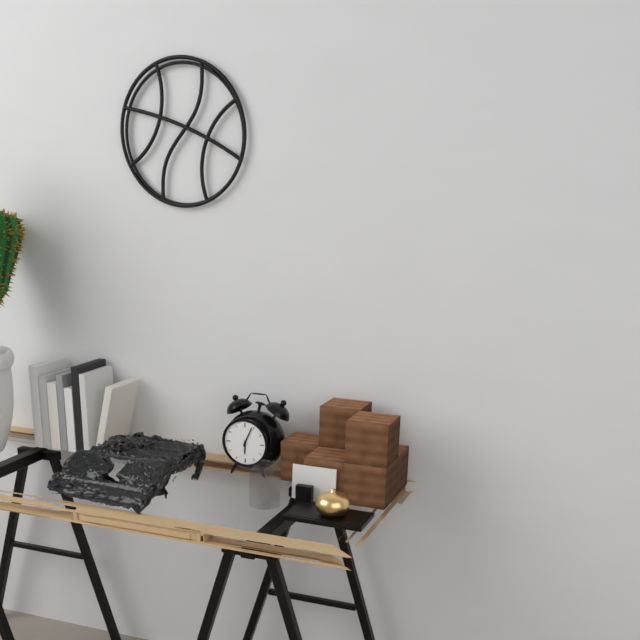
6:04
